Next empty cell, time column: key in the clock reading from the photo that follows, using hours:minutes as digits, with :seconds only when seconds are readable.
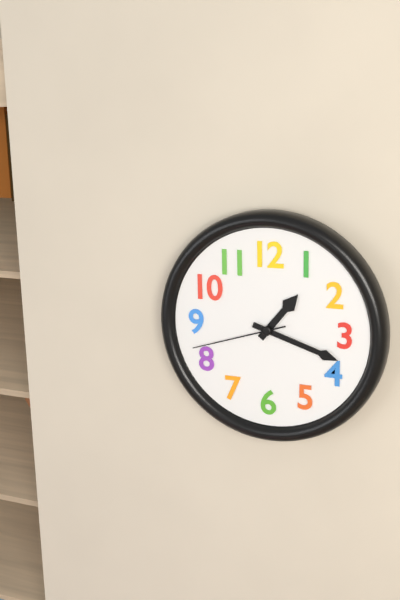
1:18:42
